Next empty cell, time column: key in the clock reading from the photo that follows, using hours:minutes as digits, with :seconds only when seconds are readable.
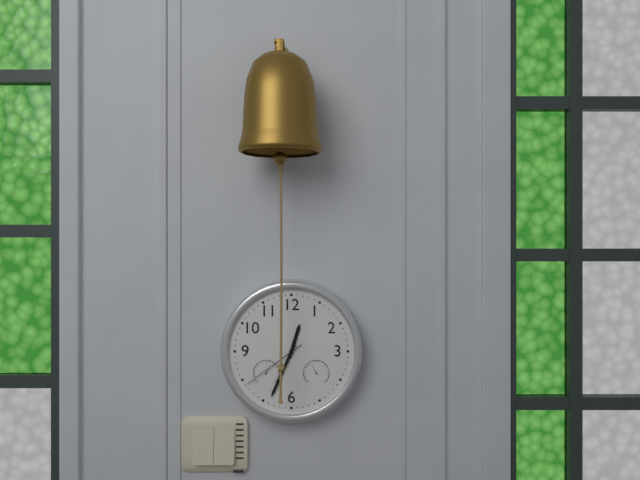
12:34:39
